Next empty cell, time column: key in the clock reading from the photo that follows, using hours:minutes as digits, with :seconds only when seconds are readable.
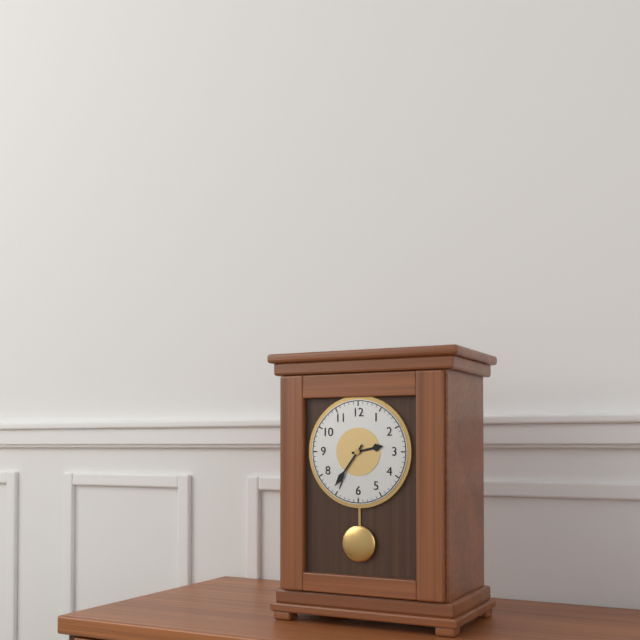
2:36
